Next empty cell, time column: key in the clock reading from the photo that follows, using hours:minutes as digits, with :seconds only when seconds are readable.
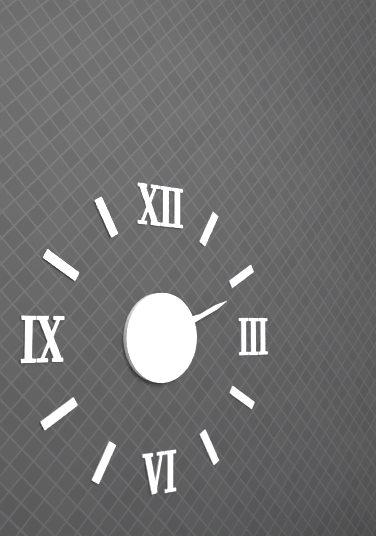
2:11
